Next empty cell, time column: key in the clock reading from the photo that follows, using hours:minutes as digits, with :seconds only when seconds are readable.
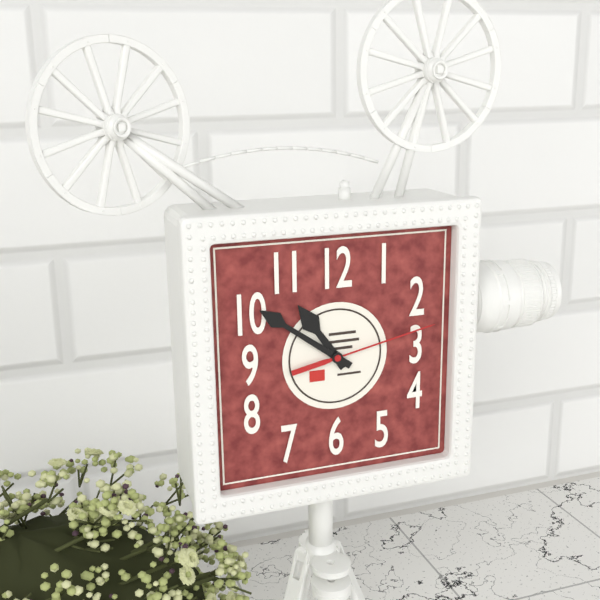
10:51:13
